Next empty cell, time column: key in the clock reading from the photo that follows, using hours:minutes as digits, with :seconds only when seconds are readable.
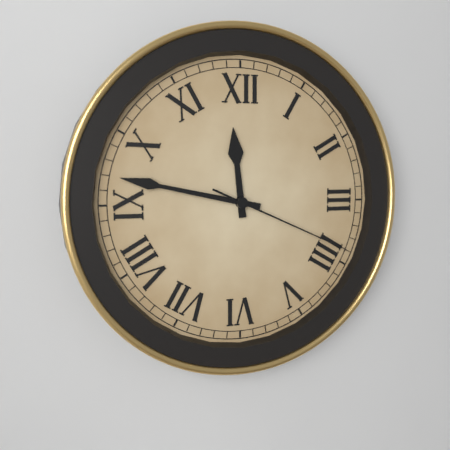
11:47:19
